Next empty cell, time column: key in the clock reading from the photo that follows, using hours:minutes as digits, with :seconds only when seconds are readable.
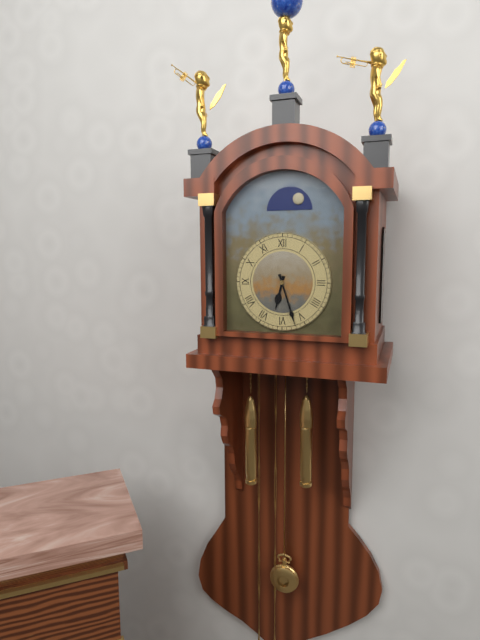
6:27
